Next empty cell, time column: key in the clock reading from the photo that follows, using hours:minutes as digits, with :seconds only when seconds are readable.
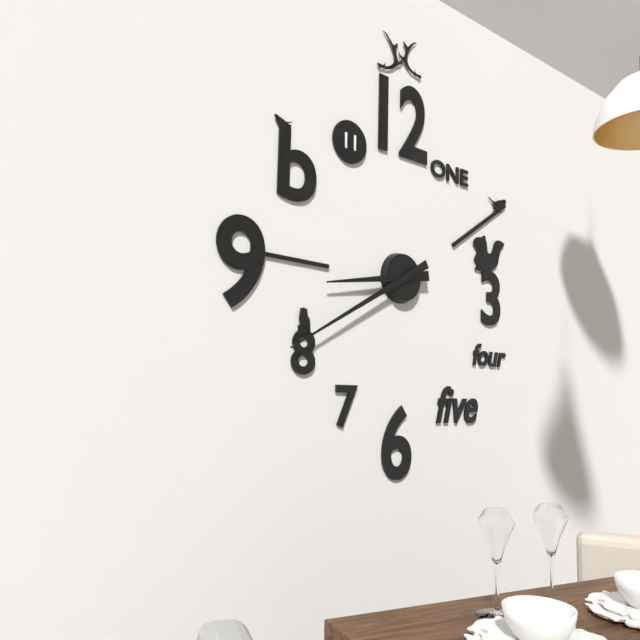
8:40
